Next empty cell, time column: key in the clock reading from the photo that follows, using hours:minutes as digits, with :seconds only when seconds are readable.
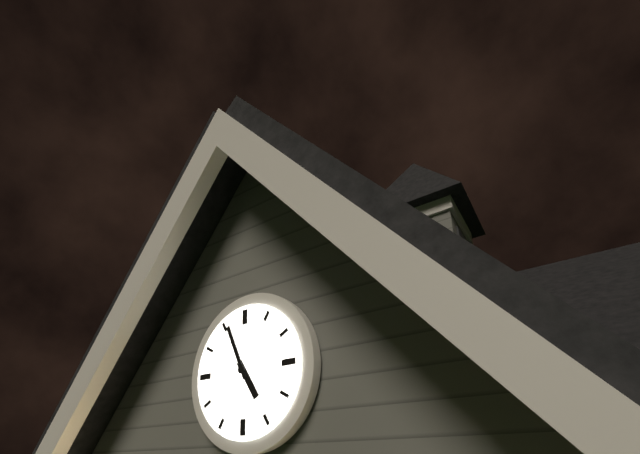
4:56
